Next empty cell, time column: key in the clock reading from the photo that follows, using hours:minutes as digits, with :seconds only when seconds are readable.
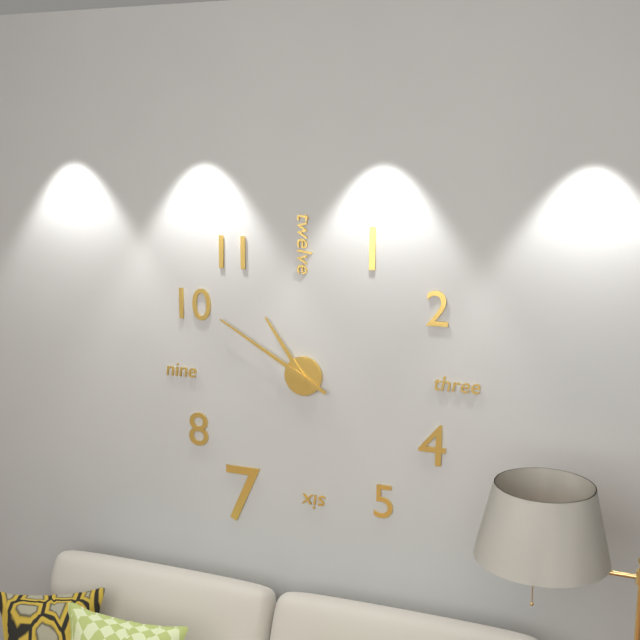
10:50
